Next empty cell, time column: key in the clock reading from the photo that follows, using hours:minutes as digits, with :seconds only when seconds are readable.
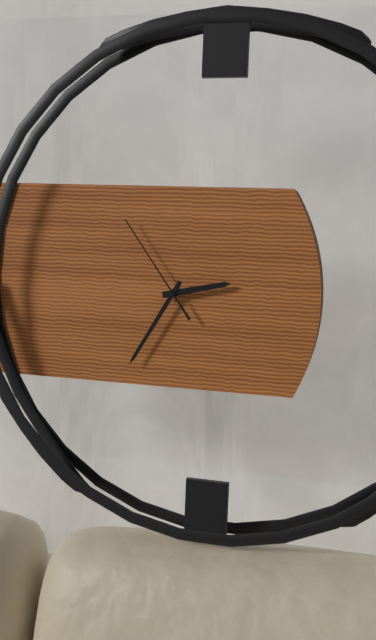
2:35:54
